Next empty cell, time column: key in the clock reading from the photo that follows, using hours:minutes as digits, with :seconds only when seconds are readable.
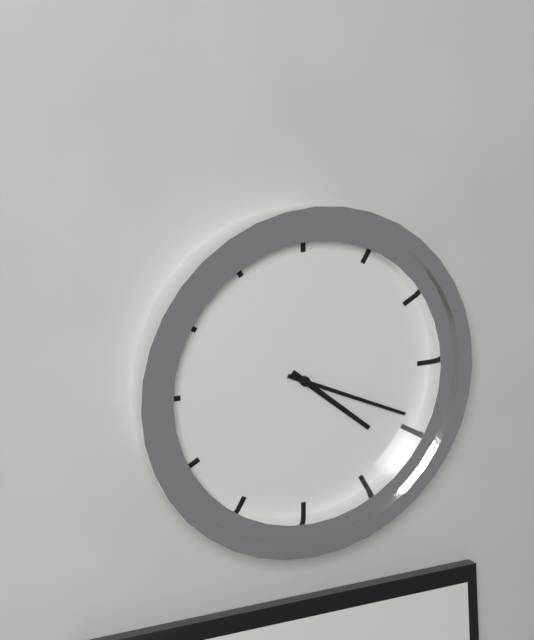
4:19
